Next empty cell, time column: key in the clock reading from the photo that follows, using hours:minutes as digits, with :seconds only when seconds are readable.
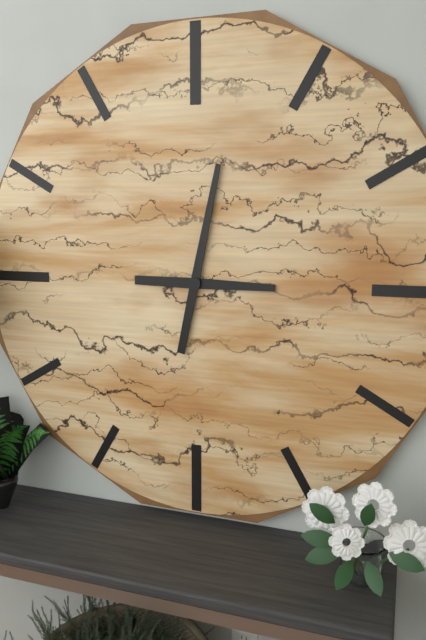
3:02
